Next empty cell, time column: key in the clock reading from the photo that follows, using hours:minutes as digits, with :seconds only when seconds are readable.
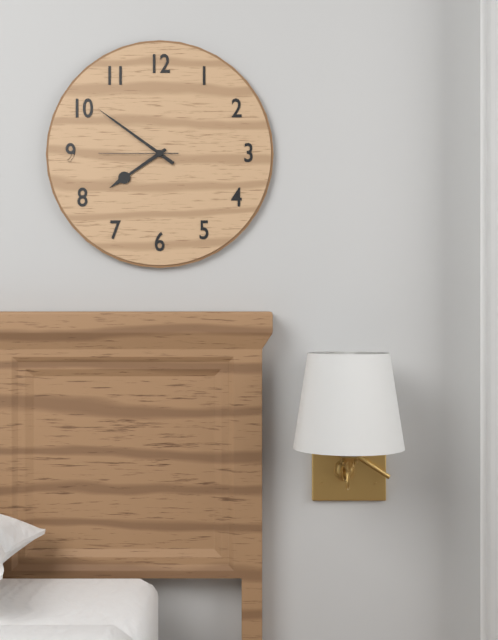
7:51:45
